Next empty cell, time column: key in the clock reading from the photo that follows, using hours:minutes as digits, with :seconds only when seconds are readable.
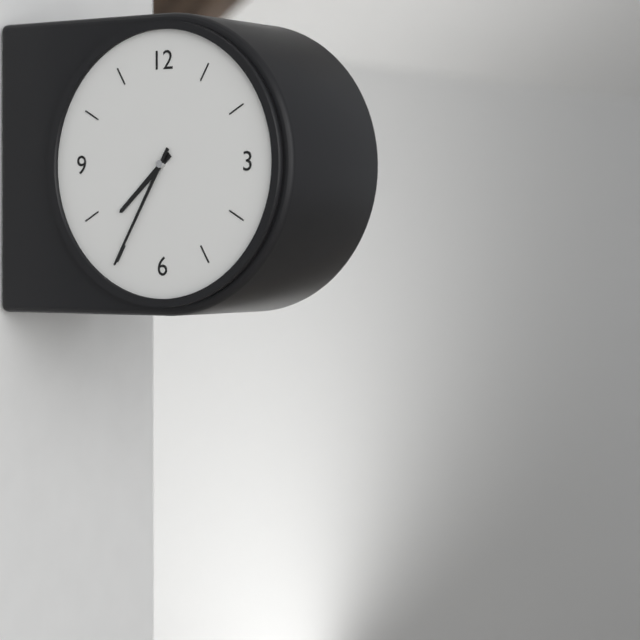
7:35
